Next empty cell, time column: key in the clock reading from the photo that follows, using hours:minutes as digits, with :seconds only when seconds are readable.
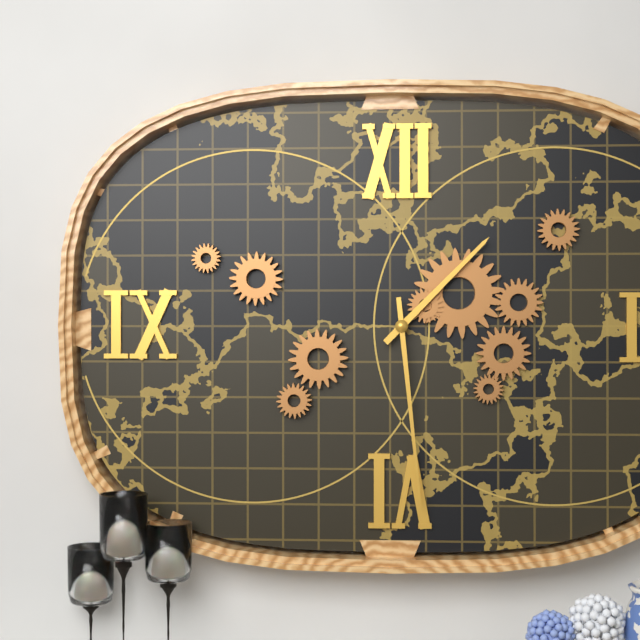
1:29
